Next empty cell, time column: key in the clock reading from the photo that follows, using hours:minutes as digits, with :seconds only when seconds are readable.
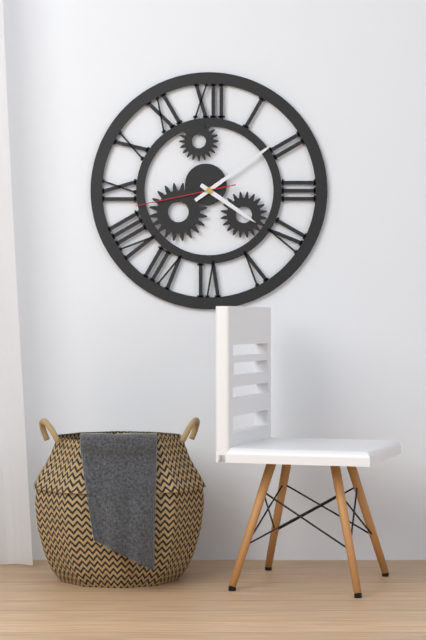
4:09:43
